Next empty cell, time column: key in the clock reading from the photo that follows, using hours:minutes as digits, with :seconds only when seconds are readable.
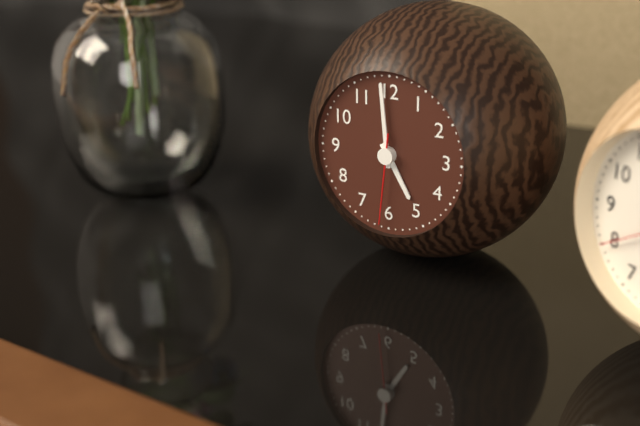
4:59:31
